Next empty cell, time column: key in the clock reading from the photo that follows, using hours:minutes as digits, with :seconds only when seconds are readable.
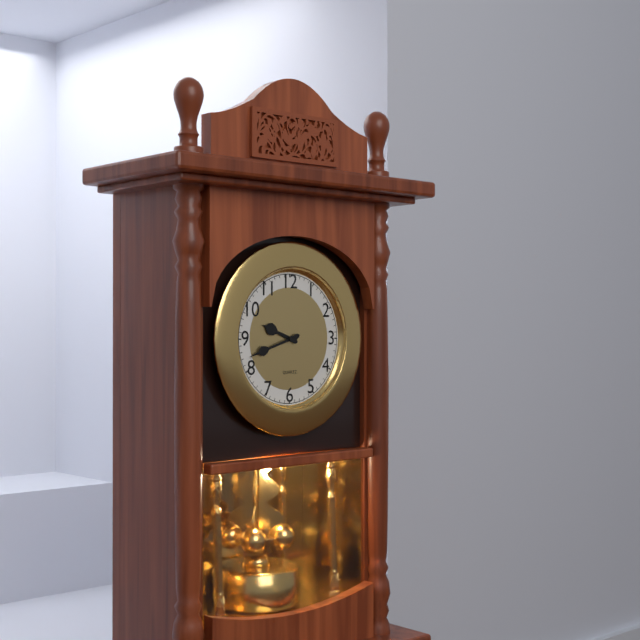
9:42
